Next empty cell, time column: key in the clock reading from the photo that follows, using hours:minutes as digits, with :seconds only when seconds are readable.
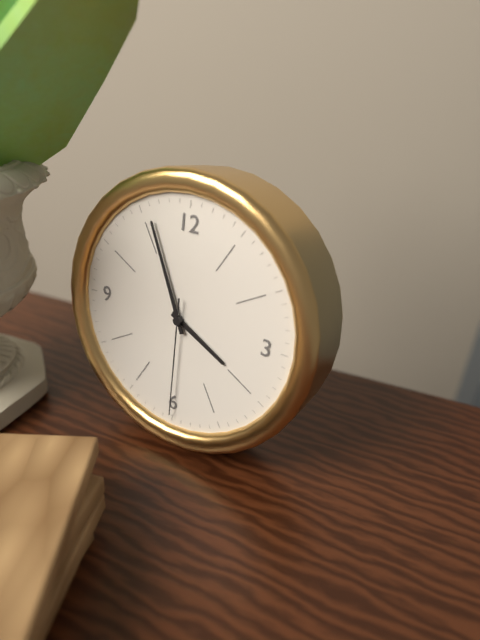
3:56:30
